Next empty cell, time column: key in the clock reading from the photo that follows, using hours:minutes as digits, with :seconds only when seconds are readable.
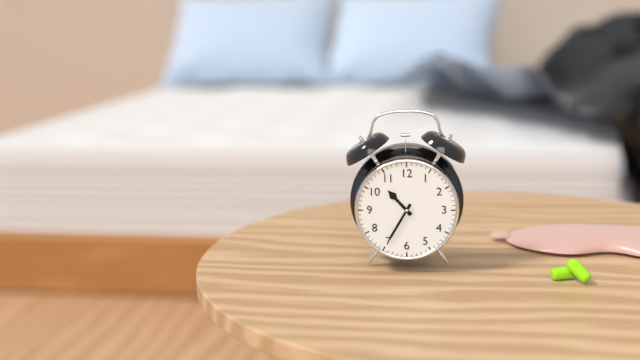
10:35
